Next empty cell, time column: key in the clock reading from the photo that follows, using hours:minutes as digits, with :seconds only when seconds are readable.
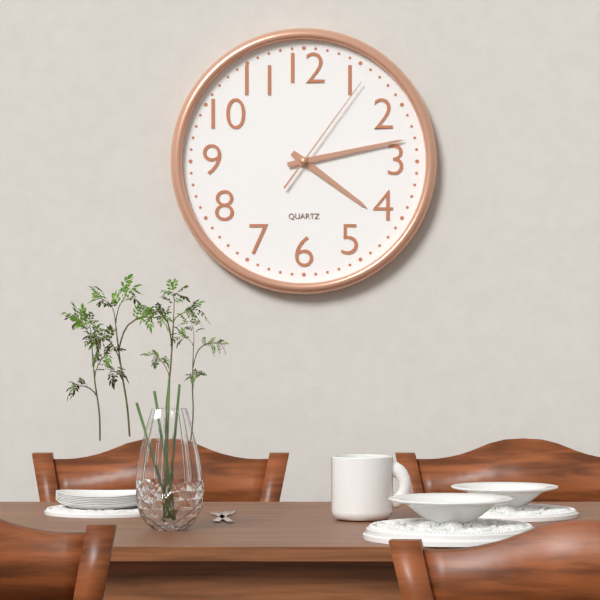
4:13:06
